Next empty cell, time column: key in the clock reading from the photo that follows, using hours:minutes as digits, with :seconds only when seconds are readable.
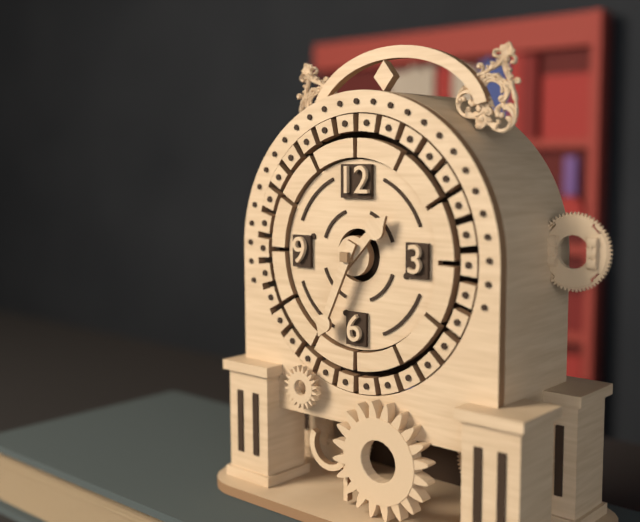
1:34
